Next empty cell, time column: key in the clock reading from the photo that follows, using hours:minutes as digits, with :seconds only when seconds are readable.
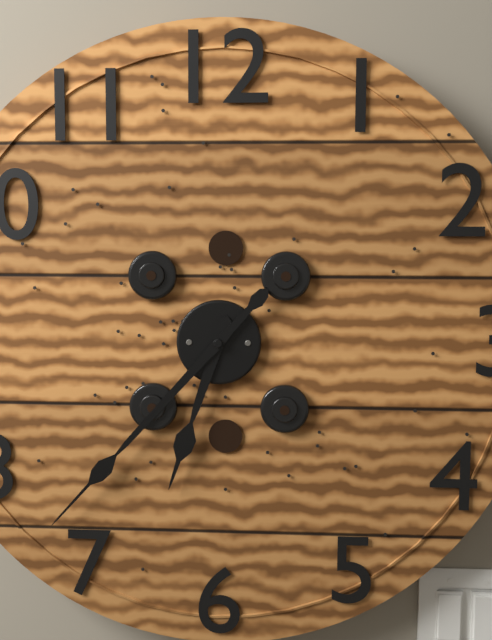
6:37
